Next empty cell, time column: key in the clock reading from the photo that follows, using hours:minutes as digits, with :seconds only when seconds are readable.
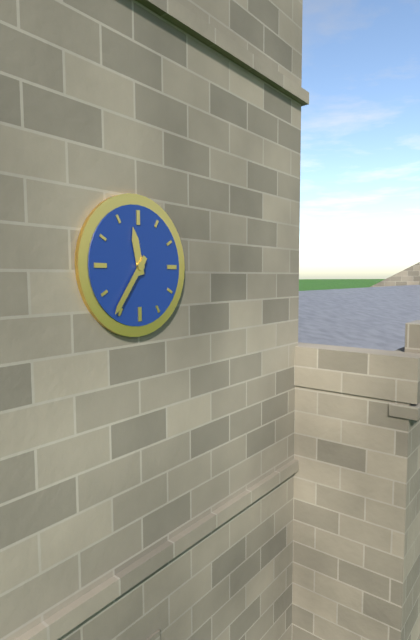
11:36
